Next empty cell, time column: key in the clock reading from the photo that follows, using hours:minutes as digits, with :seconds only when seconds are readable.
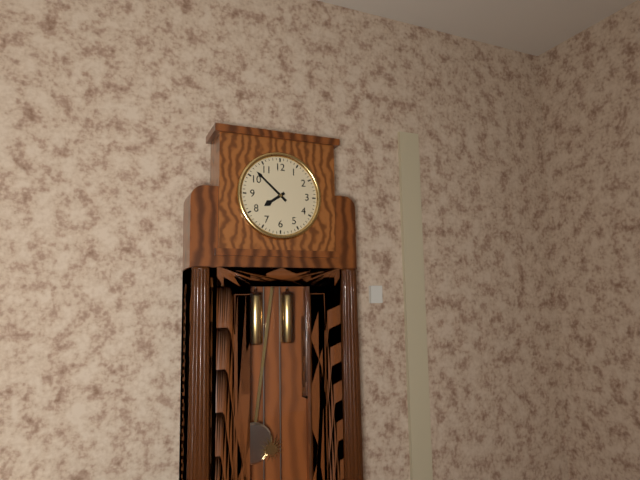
7:52
